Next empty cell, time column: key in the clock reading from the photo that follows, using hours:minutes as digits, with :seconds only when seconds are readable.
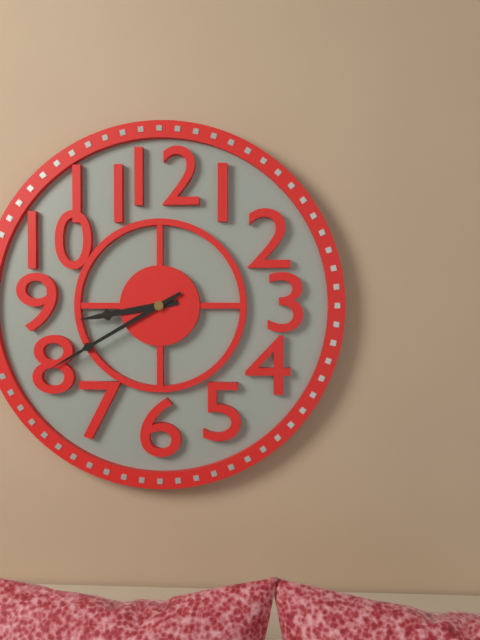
8:40
